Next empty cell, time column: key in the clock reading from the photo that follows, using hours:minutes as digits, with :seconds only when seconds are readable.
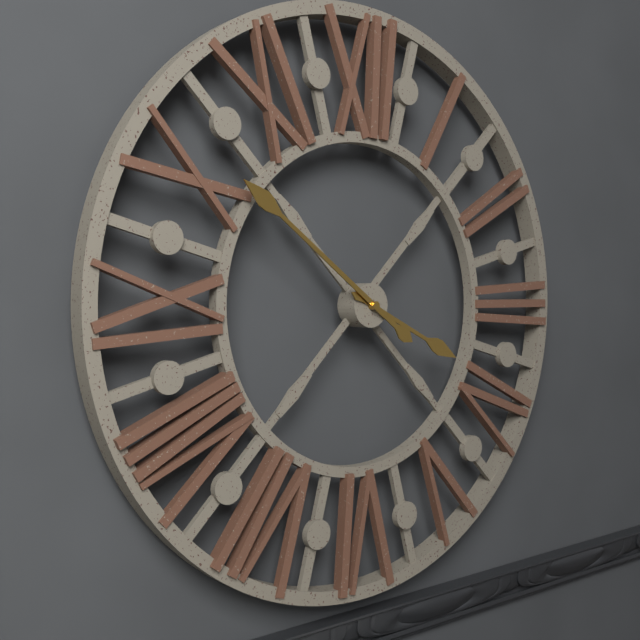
3:51
